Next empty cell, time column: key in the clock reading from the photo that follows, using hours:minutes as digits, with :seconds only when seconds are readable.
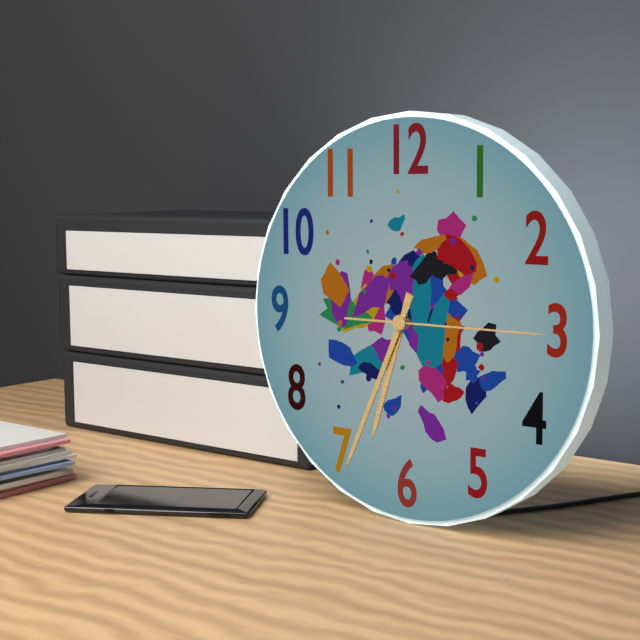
6:34:15
